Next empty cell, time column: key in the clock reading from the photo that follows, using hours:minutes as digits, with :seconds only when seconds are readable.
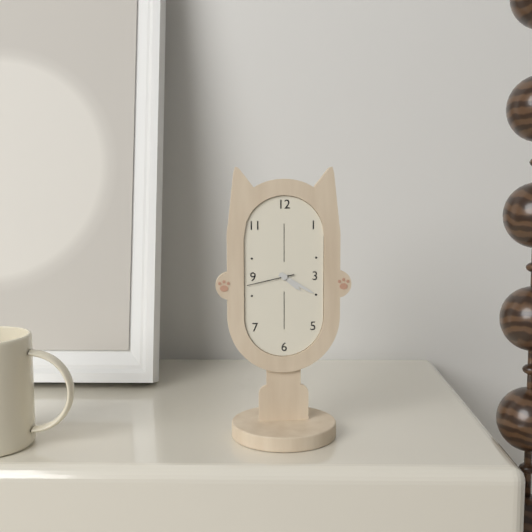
4:20
